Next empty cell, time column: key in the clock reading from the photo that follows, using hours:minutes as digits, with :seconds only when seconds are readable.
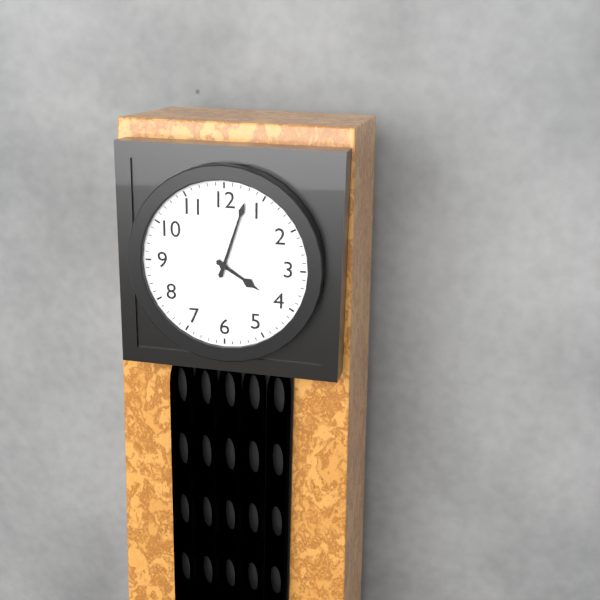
4:03
